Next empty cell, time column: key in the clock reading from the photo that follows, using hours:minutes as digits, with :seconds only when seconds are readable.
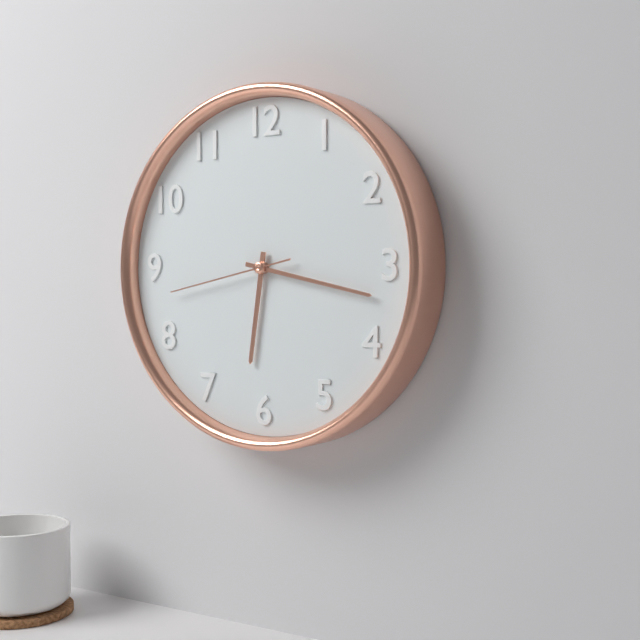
6:17:43
